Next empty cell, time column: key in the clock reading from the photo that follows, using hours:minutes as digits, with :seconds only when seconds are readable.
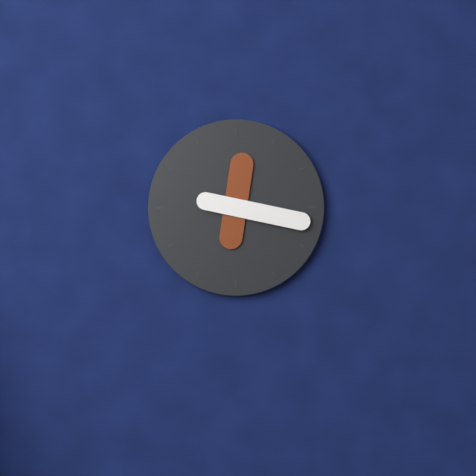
12:17
